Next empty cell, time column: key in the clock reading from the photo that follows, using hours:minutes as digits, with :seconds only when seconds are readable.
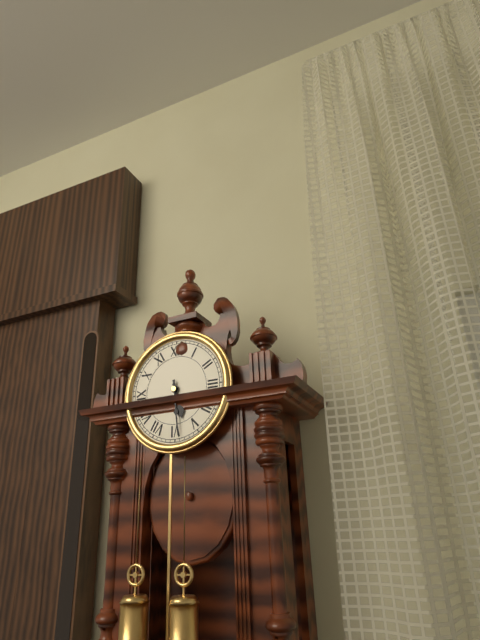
5:29
